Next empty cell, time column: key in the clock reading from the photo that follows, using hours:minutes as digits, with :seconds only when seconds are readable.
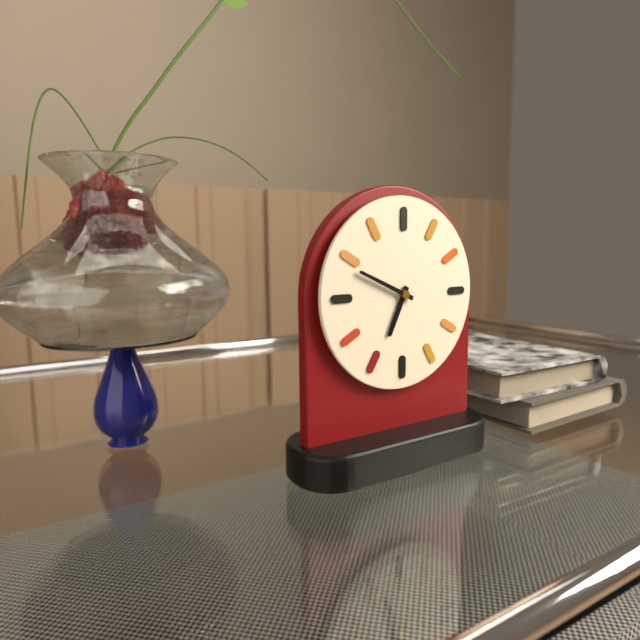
6:49
